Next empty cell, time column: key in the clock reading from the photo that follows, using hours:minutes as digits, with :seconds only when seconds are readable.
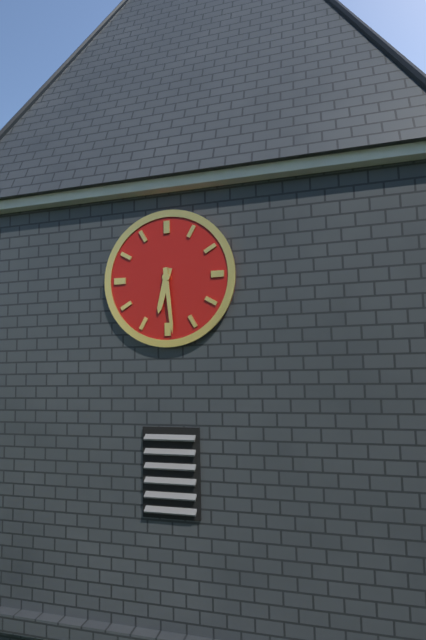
6:29
